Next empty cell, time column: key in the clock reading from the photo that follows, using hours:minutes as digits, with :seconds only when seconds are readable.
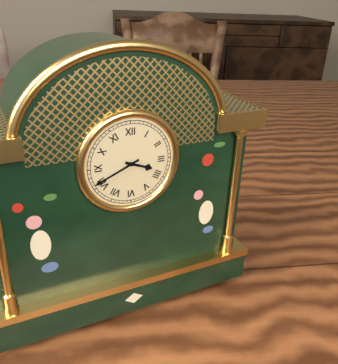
3:41
